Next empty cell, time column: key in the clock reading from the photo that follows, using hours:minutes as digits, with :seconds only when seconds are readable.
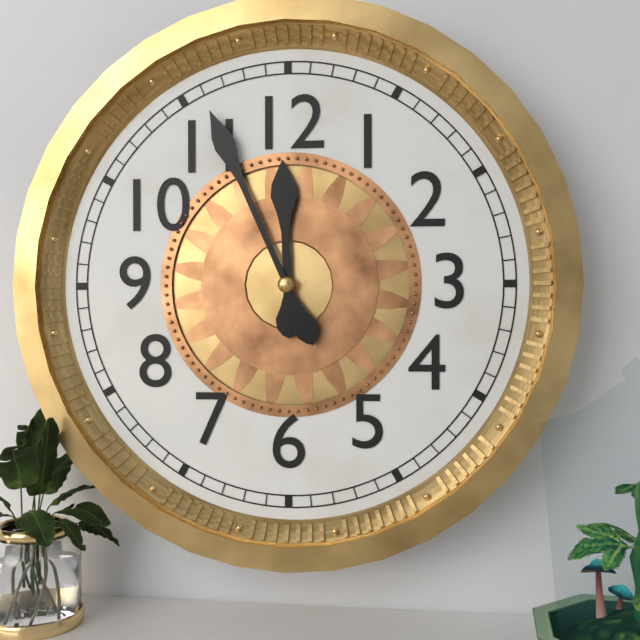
11:56
